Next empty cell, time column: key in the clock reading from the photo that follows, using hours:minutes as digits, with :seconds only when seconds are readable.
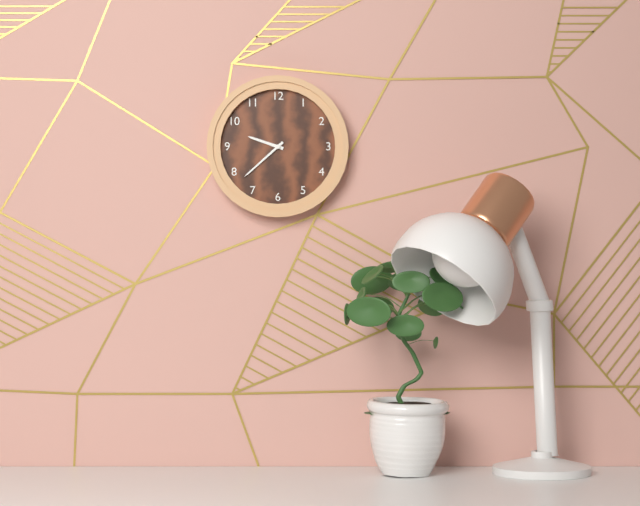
9:38
